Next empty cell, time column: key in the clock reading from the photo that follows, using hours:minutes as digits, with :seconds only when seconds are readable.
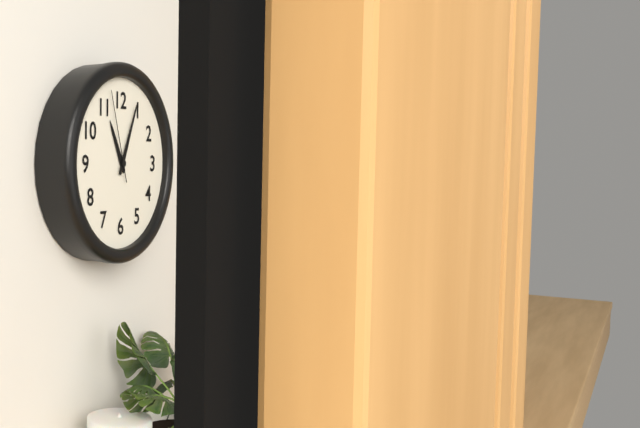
11:04:57
